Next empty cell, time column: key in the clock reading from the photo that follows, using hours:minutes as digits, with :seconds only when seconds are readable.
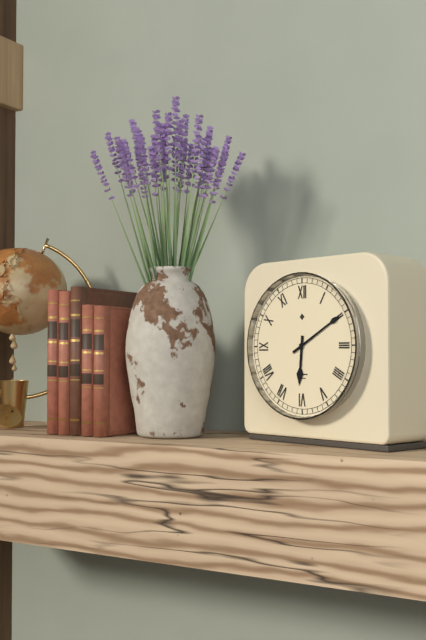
6:10
